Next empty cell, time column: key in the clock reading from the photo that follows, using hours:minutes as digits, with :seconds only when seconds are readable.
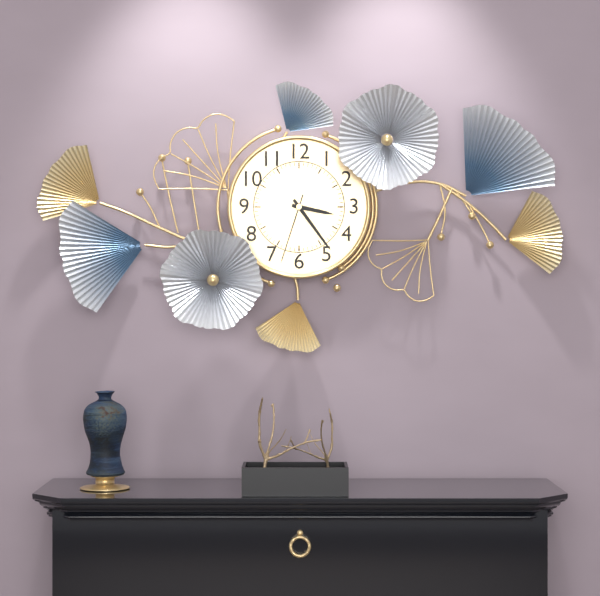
3:24:33
